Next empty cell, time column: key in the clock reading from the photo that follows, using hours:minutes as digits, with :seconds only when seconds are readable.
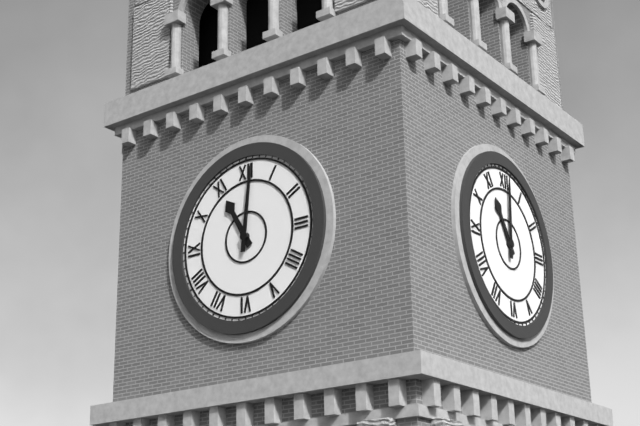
11:01
